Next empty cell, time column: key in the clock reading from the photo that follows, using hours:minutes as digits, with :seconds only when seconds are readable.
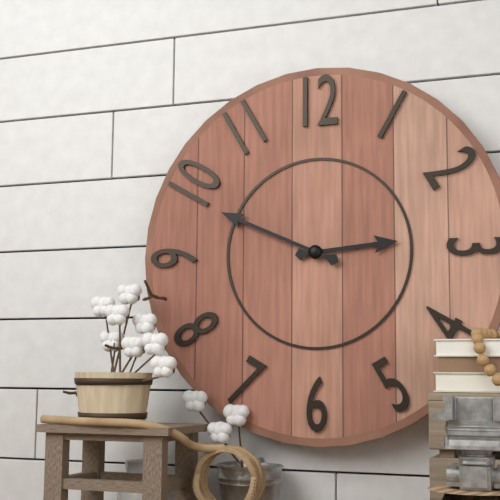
2:49
